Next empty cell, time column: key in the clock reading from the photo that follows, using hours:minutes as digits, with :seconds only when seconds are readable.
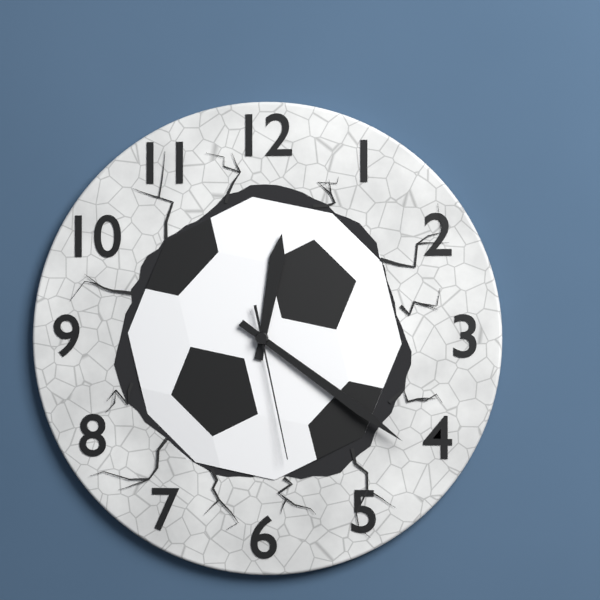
12:21:28
